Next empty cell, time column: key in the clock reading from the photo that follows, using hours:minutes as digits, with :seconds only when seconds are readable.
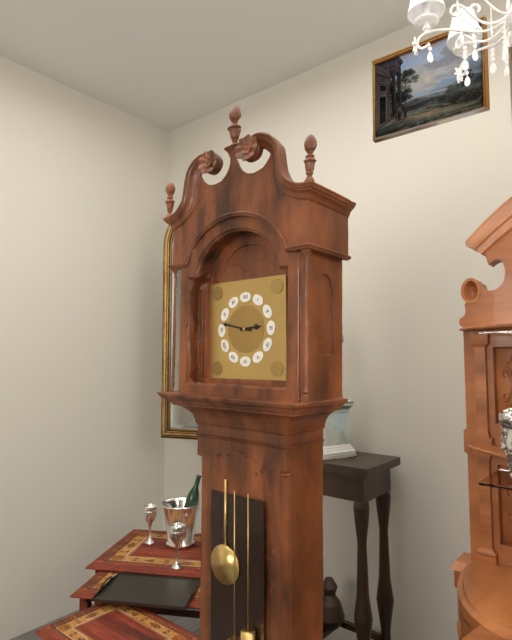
2:47
